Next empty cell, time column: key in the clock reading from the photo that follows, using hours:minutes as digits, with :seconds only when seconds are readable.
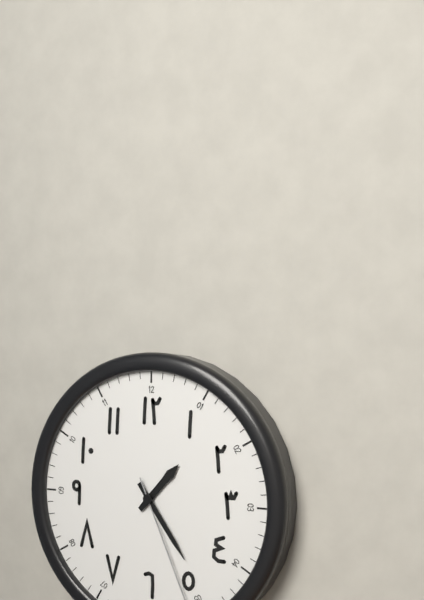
1:24
